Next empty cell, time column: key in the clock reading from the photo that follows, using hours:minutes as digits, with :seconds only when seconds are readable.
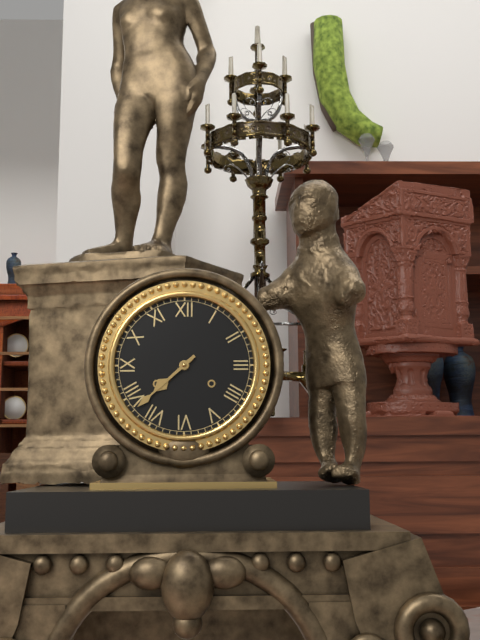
7:38
